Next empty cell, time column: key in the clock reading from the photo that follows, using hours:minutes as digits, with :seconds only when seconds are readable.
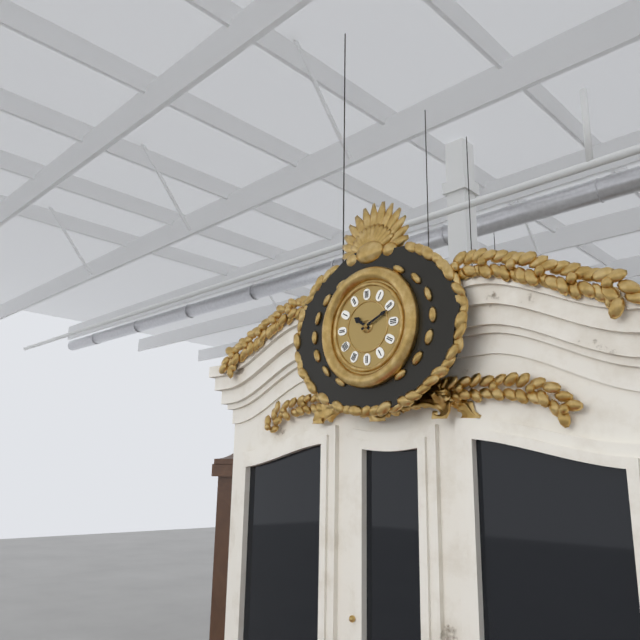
10:11
